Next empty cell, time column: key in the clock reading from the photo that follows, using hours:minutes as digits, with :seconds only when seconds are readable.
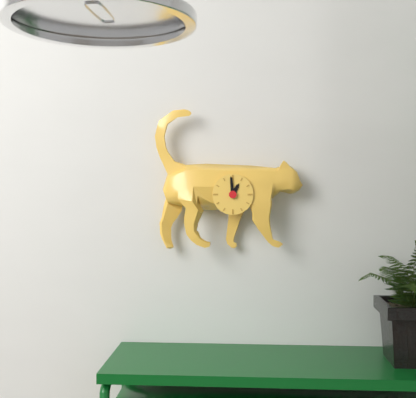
12:59
